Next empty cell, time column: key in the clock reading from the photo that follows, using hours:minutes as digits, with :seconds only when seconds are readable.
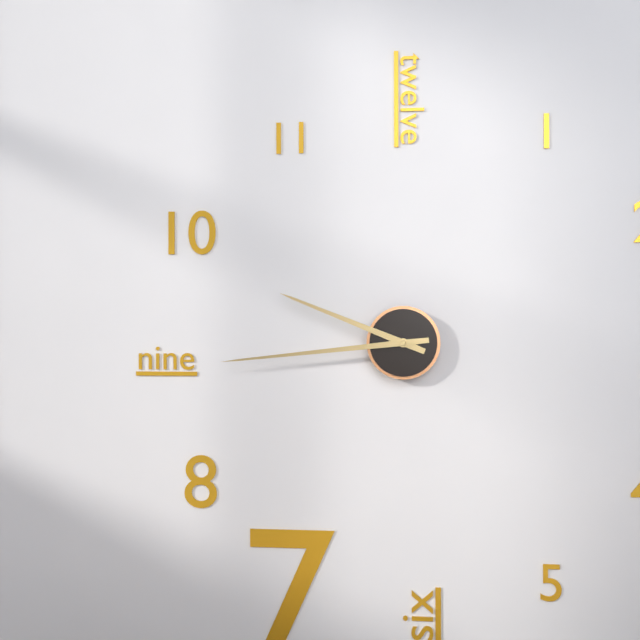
9:44
